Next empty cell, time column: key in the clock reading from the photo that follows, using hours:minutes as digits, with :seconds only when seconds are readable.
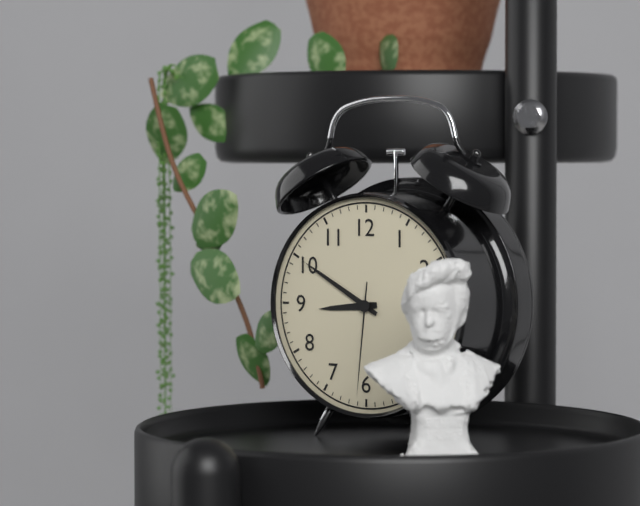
8:50:31
